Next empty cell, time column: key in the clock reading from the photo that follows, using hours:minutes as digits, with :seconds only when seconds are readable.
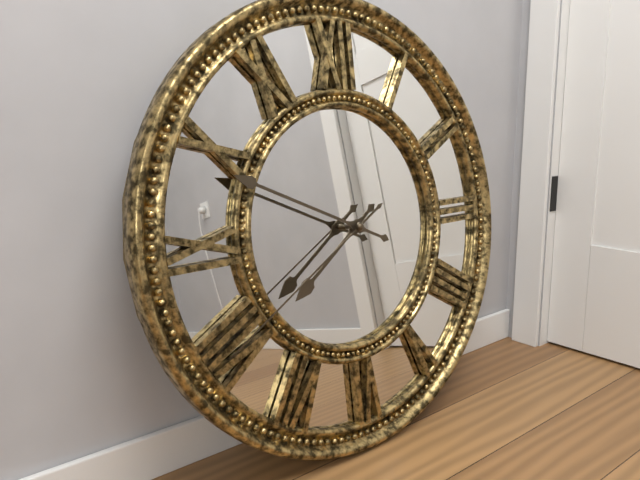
7:49:40
